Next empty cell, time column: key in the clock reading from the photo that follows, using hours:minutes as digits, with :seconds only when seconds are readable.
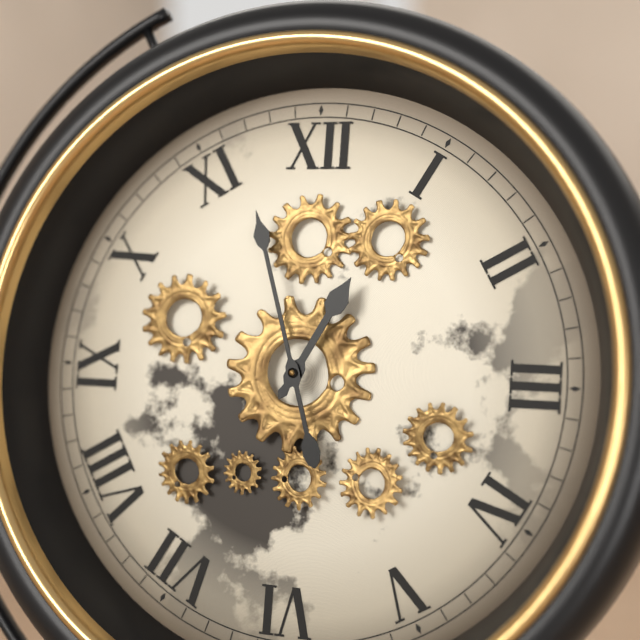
12:57
